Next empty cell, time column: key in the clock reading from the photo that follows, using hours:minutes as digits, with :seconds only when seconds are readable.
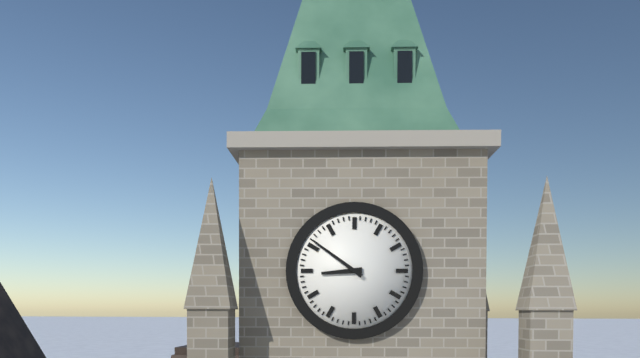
8:51
